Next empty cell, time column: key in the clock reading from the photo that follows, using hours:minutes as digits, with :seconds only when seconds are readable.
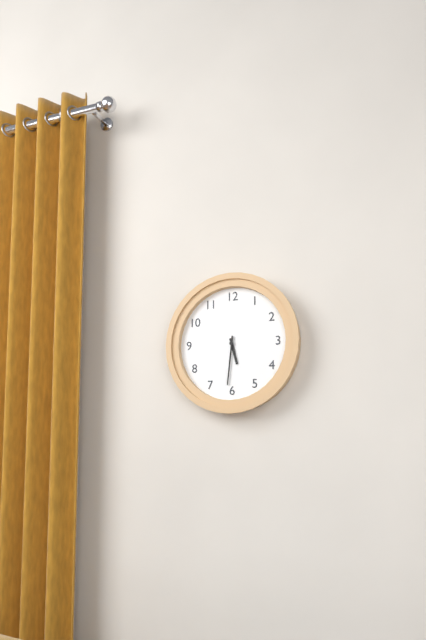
5:31
